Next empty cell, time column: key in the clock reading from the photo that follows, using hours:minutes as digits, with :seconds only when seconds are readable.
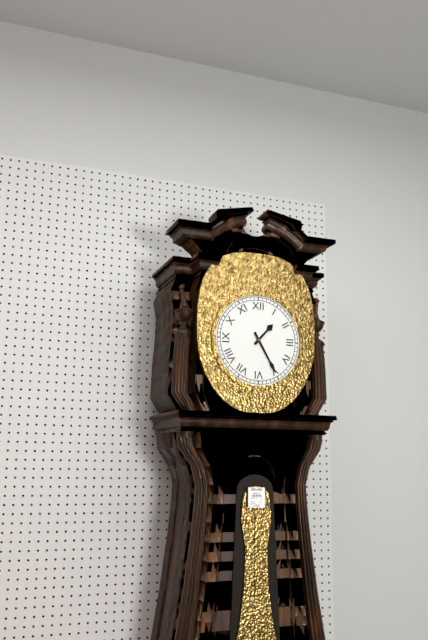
1:25
